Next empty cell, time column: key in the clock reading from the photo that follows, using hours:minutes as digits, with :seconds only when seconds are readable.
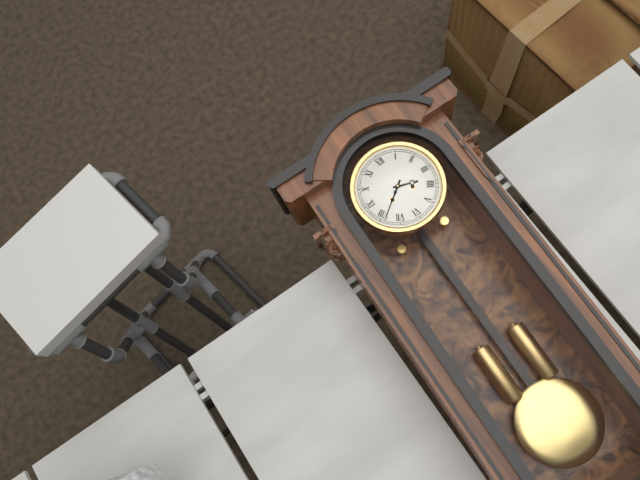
3:39
